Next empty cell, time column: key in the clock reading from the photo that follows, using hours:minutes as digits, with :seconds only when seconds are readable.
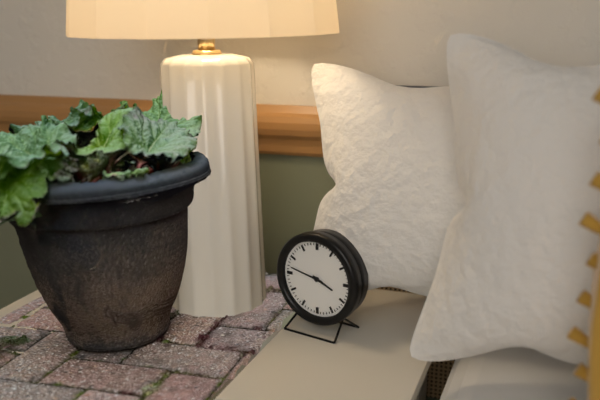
3:47
